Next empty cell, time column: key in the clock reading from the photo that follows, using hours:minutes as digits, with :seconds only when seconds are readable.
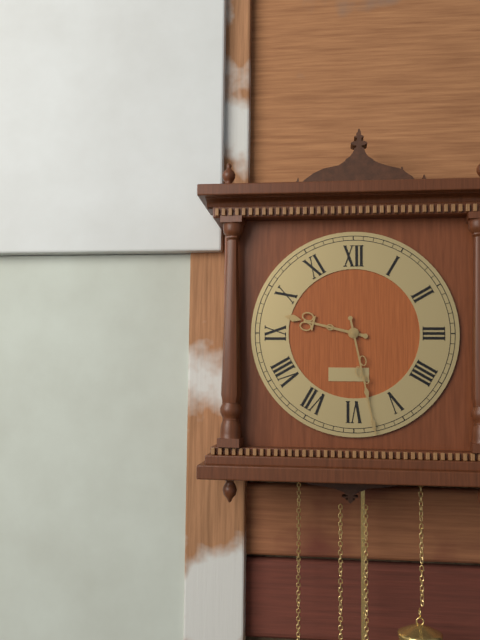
9:28
